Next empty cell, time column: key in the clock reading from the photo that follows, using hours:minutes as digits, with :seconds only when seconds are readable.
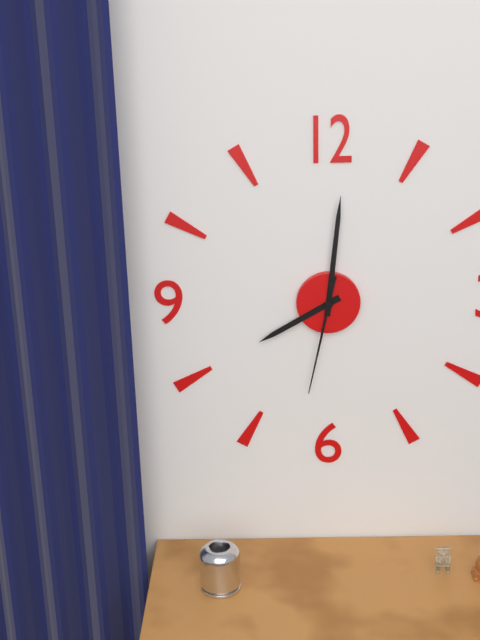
8:01:32
